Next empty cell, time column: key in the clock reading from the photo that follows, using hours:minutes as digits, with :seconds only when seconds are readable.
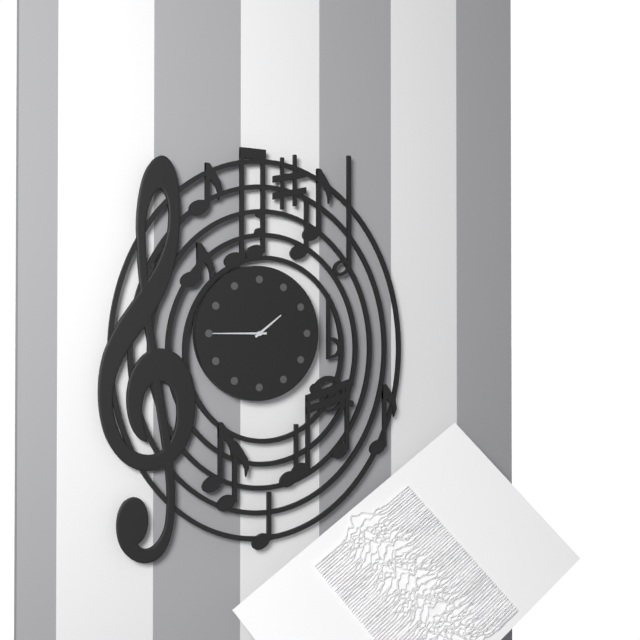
1:45
